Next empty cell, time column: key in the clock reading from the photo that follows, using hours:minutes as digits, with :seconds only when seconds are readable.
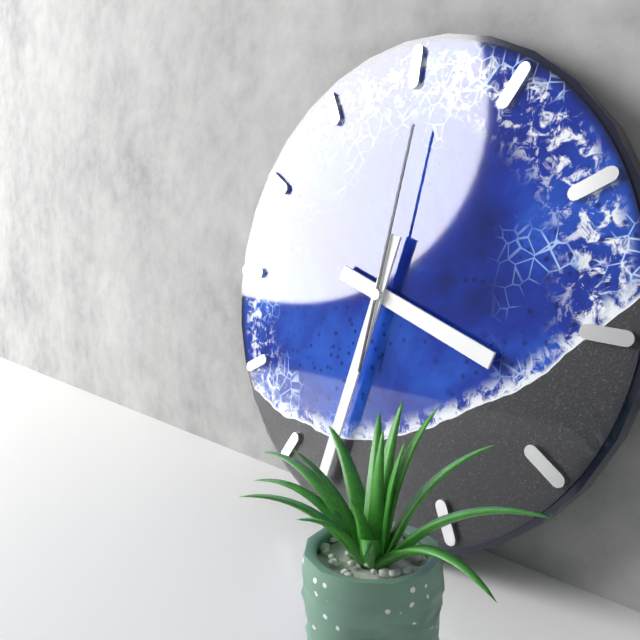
3:32:01
